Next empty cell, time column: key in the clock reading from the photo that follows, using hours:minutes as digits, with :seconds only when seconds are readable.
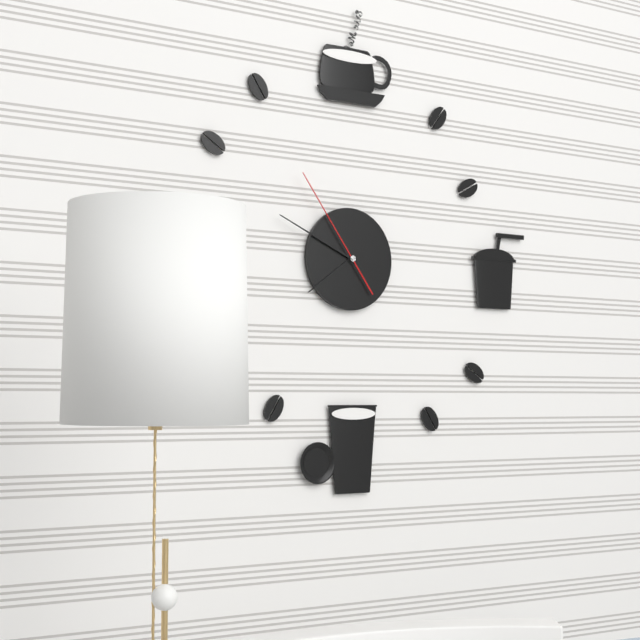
7:49:54
